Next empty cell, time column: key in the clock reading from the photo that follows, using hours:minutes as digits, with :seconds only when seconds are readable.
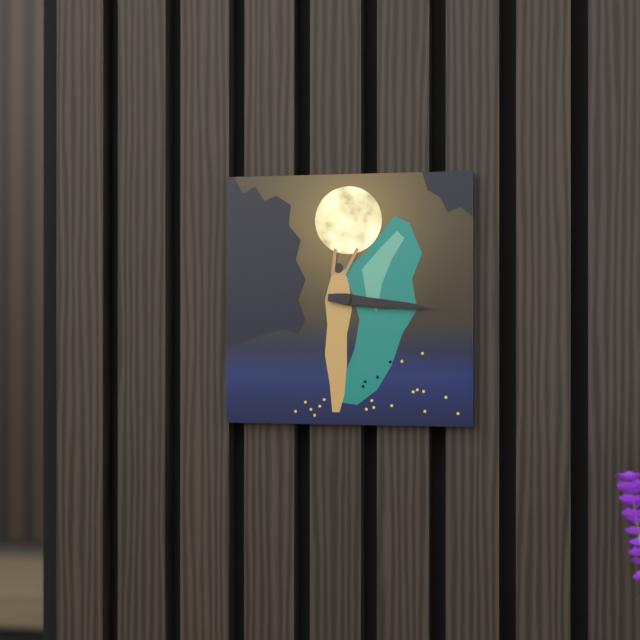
3:16
